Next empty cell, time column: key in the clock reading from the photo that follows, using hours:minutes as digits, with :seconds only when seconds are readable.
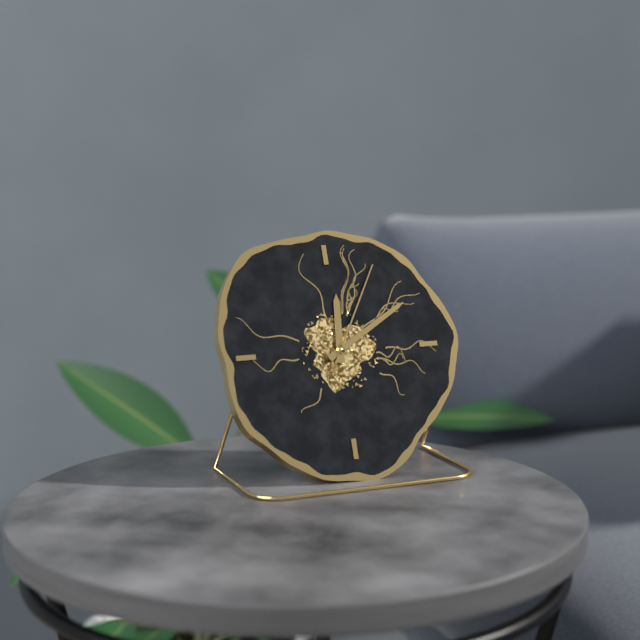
12:10:05
